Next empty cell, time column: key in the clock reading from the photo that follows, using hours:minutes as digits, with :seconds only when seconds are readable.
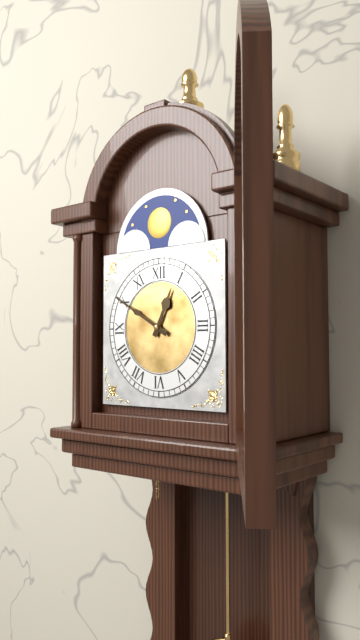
12:50
